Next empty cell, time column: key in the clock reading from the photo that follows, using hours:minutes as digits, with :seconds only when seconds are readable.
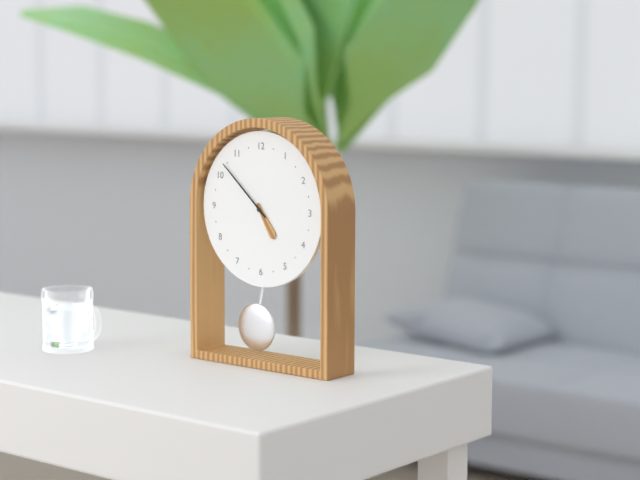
4:52
